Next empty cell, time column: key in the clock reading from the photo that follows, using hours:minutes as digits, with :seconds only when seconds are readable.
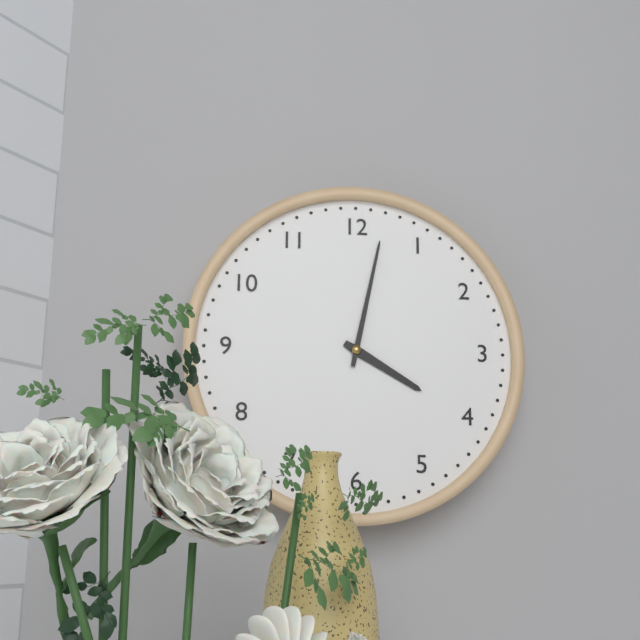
4:02
